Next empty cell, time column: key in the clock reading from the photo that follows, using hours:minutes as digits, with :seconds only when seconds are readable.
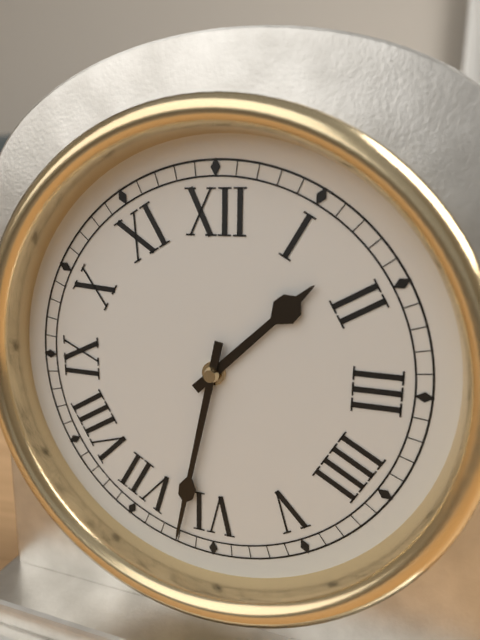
1:32
